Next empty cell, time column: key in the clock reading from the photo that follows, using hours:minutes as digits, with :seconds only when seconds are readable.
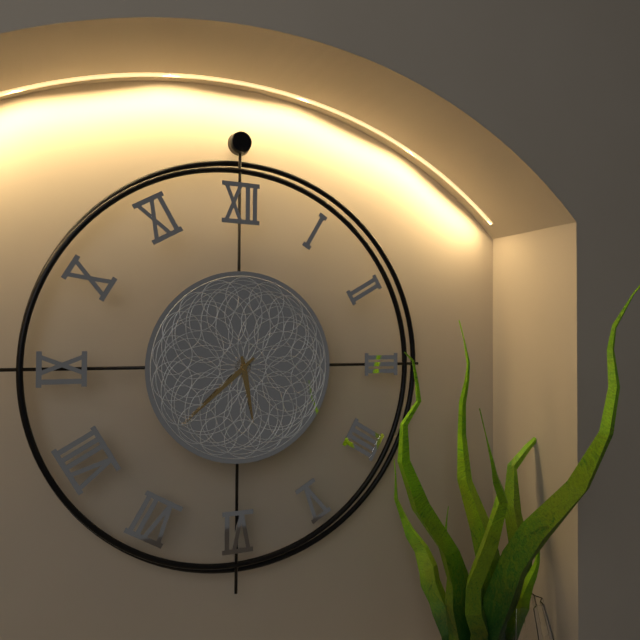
5:38
